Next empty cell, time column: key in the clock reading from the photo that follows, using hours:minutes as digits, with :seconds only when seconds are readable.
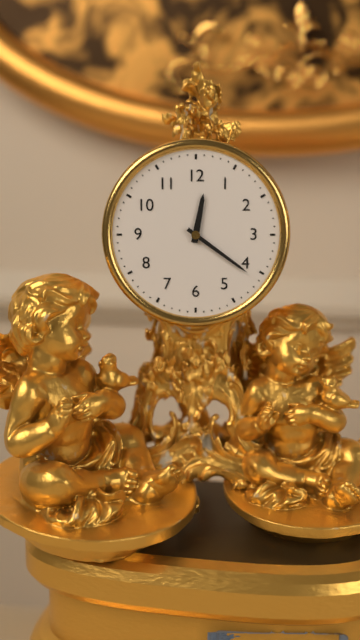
12:21
